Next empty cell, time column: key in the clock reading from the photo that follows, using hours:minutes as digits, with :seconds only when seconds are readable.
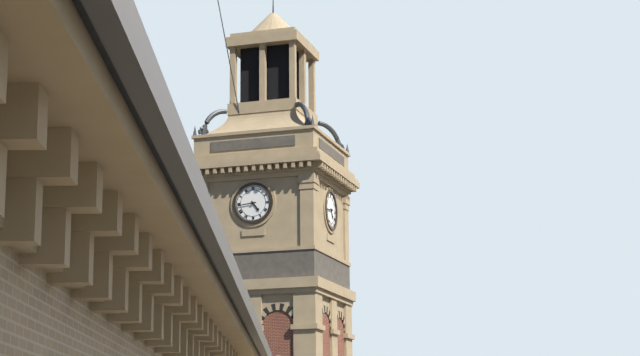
4:44
